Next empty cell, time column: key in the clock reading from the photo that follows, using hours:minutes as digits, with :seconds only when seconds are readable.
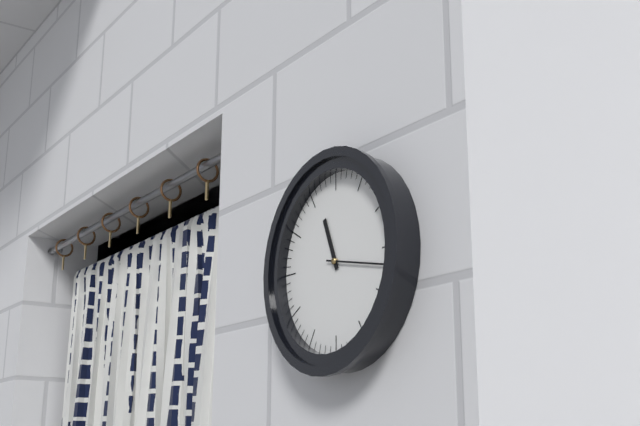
11:17
